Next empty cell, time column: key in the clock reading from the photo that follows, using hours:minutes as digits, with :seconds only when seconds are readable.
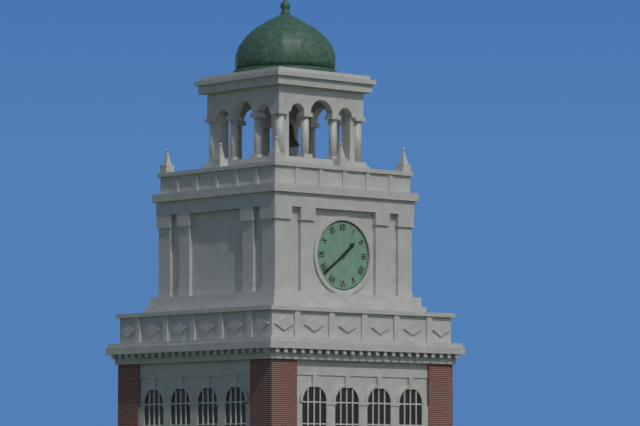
1:39
